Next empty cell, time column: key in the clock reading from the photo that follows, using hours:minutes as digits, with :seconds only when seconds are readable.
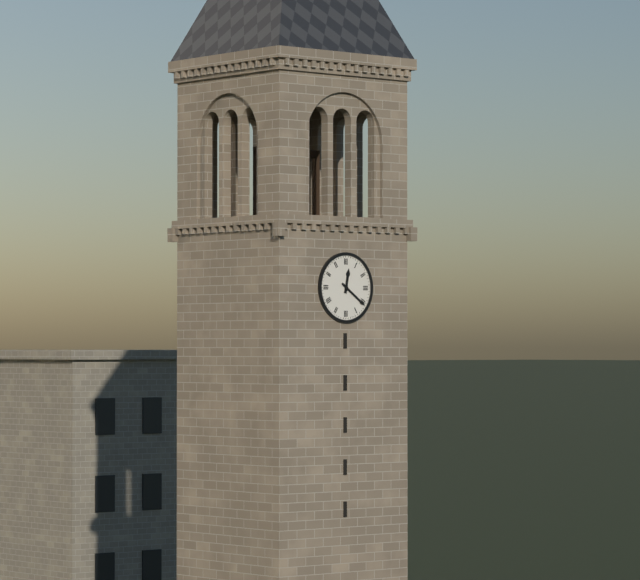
12:21
